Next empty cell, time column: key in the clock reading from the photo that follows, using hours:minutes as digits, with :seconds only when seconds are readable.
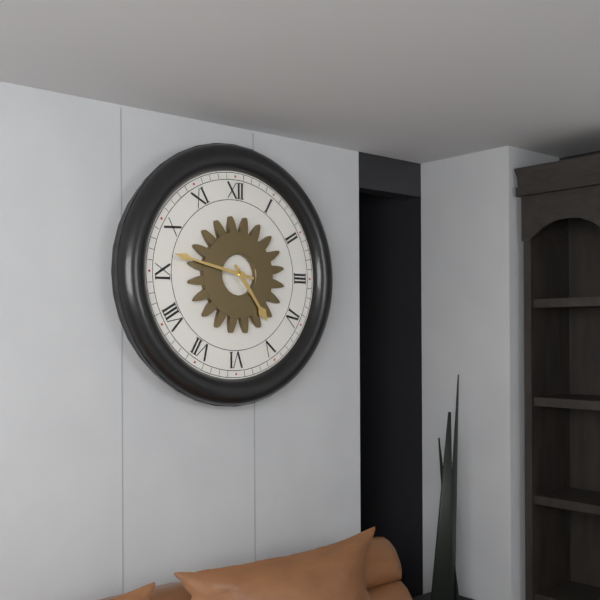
4:47
